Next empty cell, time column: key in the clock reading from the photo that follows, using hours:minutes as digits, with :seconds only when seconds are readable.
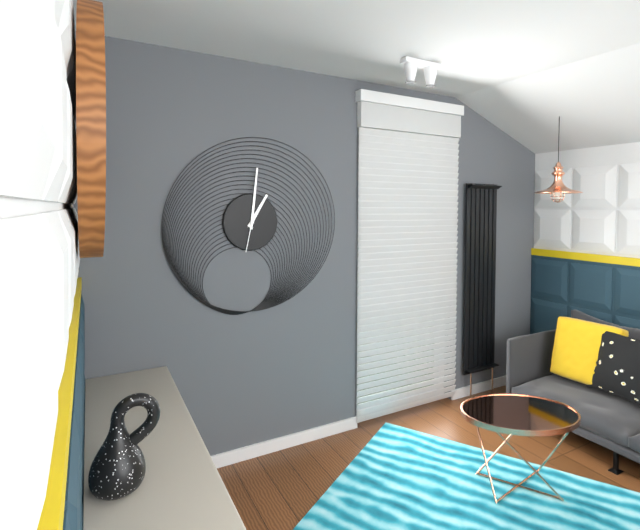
1:01
